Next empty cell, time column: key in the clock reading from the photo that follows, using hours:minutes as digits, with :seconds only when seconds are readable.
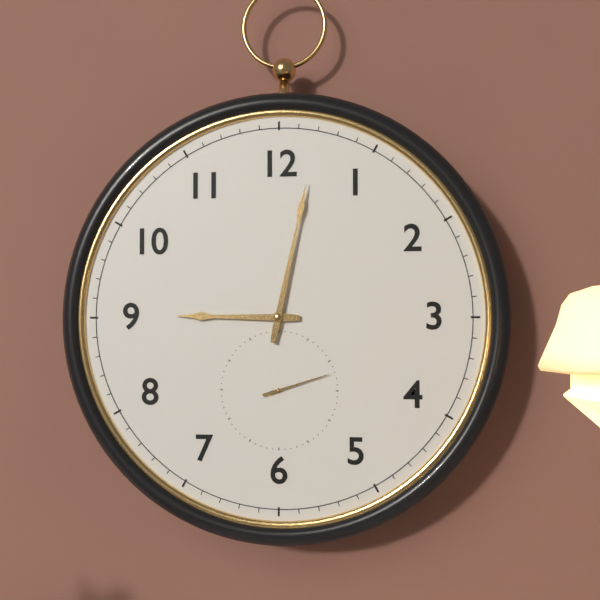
9:02:12
